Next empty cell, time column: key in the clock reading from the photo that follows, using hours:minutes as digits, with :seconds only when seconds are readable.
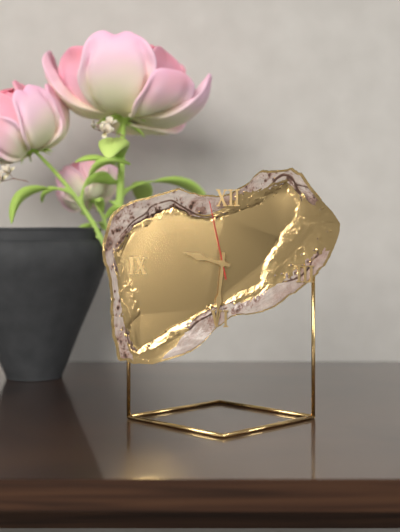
9:31:58
